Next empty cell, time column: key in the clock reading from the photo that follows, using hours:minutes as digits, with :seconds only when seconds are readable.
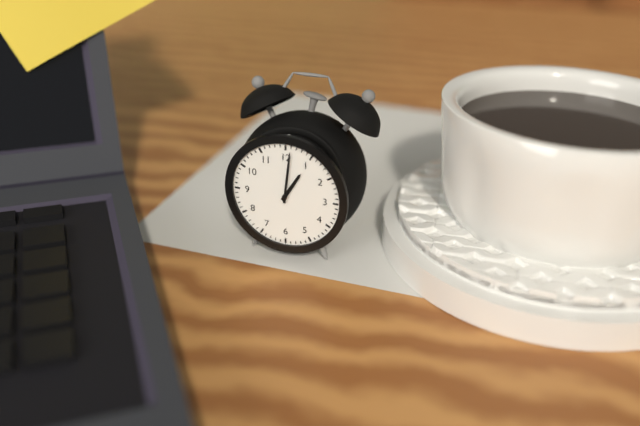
1:01
